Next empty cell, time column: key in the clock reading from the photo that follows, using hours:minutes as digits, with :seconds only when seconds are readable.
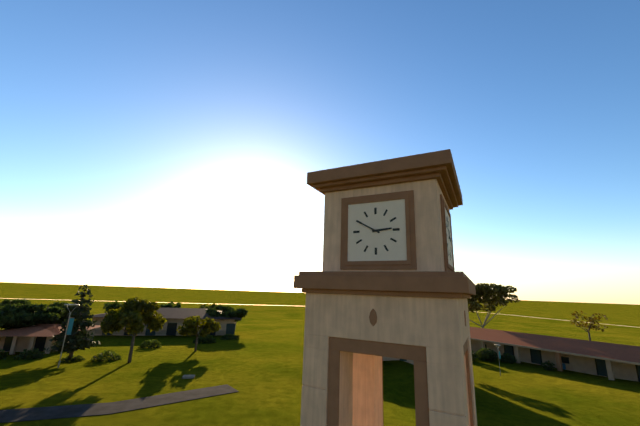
2:50
